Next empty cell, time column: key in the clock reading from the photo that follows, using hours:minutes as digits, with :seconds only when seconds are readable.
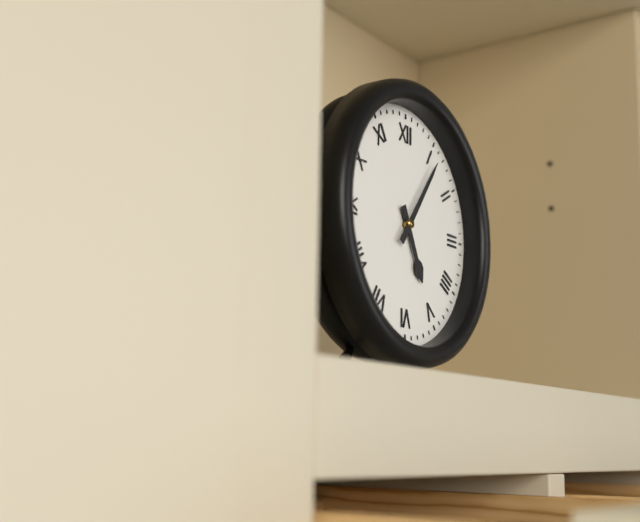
5:06
